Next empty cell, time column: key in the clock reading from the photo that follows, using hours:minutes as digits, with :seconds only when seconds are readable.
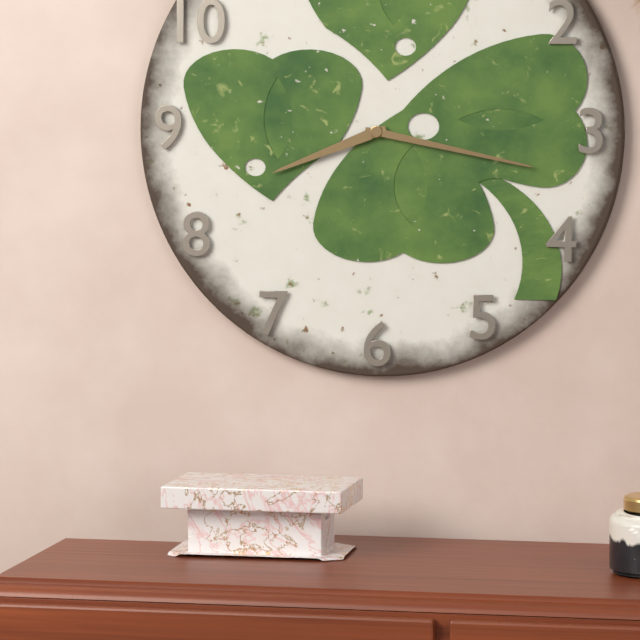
8:17
